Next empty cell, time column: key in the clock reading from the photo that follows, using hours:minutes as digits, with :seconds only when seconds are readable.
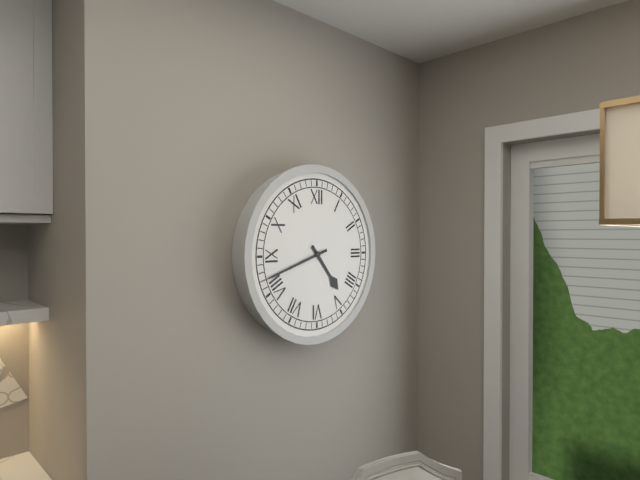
4:42
